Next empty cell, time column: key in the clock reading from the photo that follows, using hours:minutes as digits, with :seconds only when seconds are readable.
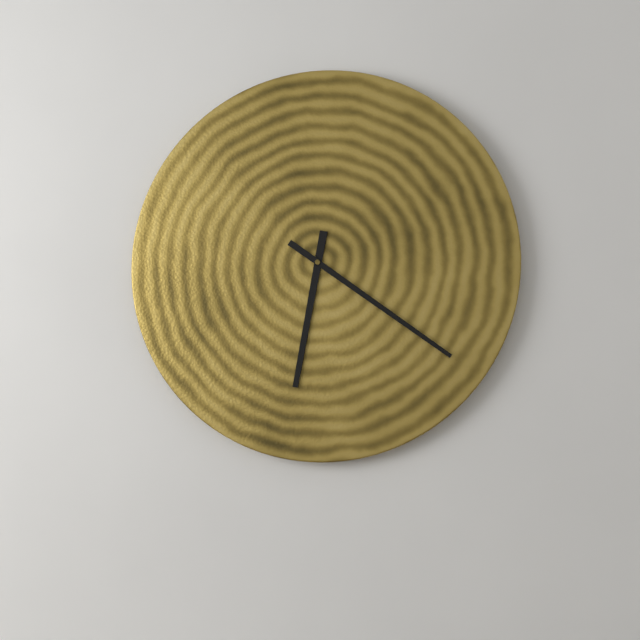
6:21
